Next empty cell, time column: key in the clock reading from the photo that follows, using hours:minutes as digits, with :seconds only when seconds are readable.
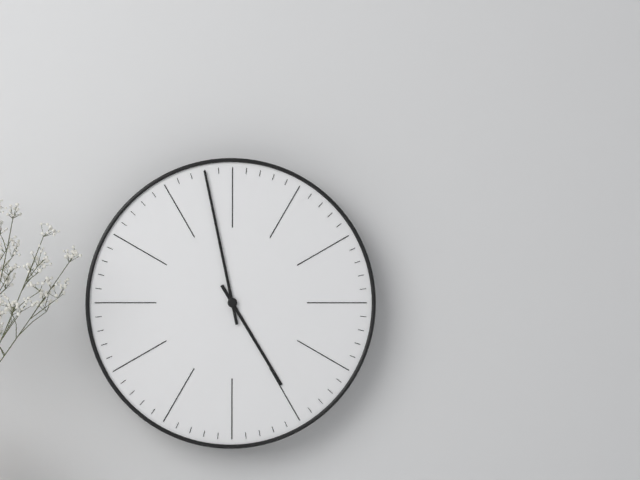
4:58
